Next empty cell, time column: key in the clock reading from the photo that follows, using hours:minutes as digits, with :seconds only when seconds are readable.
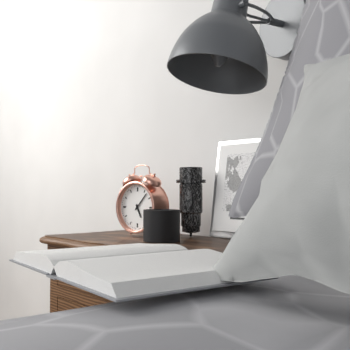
5:07
